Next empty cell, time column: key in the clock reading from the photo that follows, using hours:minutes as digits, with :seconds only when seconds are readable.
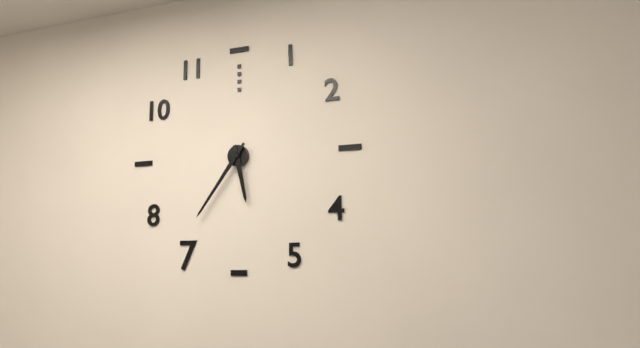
5:36
